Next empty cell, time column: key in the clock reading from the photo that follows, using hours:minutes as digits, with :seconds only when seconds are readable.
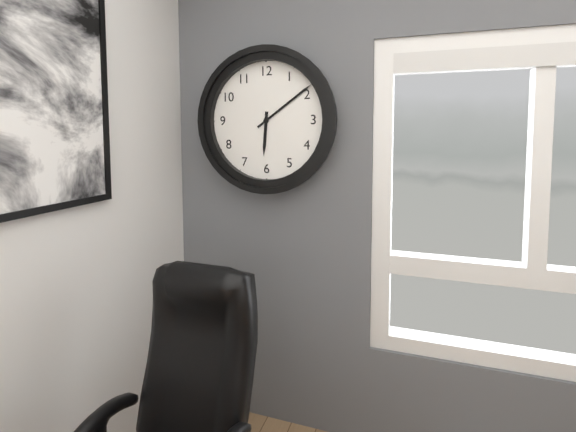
6:09
